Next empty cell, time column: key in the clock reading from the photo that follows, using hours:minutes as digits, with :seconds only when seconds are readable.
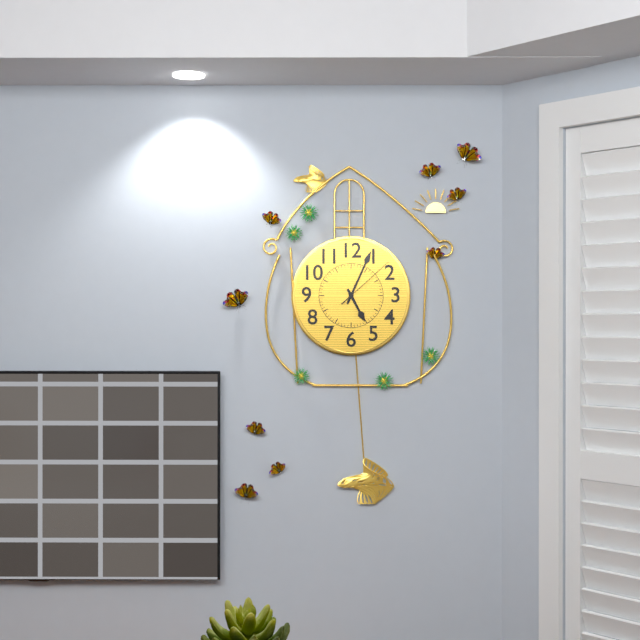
5:04:08
